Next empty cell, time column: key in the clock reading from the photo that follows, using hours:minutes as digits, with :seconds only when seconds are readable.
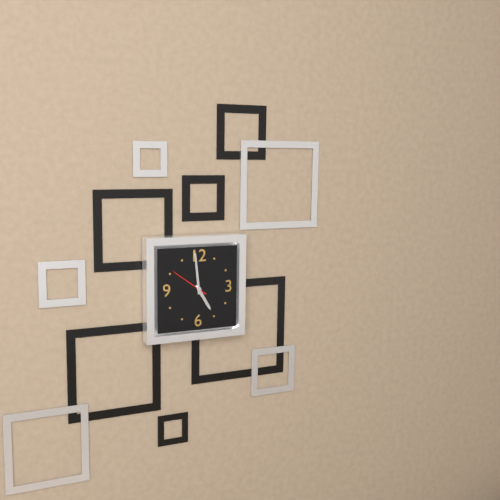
4:59
